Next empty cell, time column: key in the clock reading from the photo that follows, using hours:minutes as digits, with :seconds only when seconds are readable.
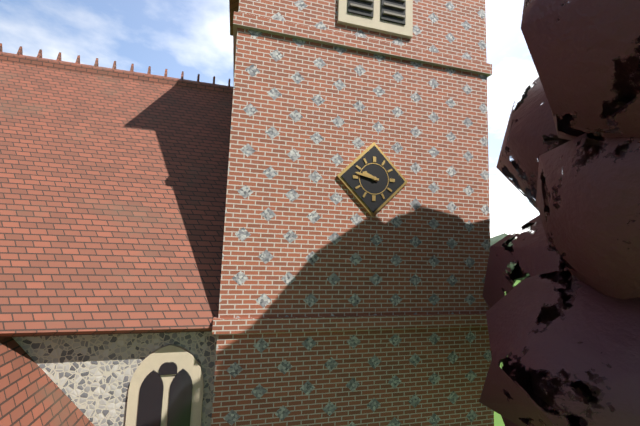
9:47
